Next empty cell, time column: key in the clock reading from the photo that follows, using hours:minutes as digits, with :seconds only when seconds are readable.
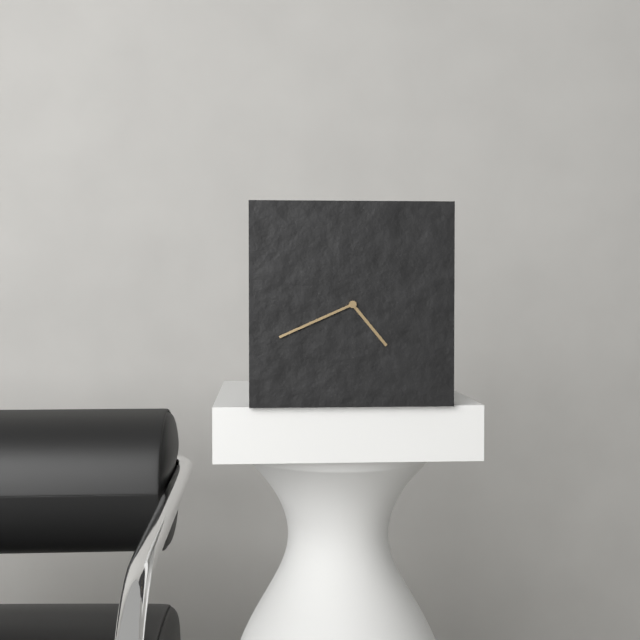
4:41
